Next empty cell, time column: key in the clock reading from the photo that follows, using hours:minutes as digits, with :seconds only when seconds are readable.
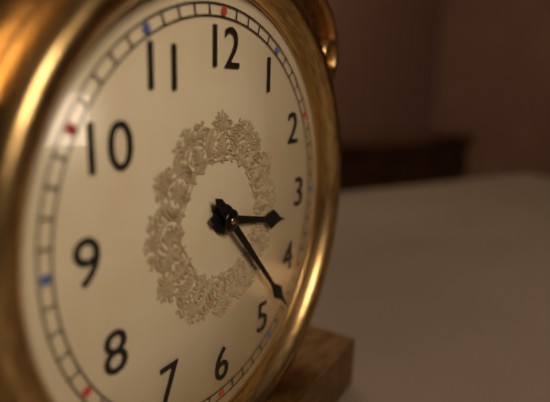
3:23
